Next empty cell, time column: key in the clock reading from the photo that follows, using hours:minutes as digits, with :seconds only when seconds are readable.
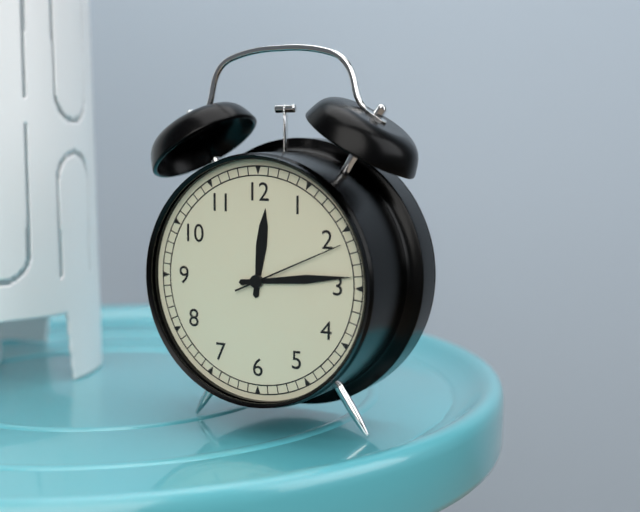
12:14:11
